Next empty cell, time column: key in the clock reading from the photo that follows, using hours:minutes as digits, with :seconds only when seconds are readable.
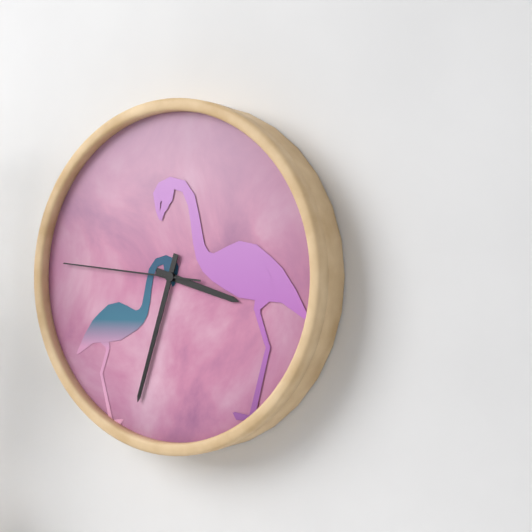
3:33:46
